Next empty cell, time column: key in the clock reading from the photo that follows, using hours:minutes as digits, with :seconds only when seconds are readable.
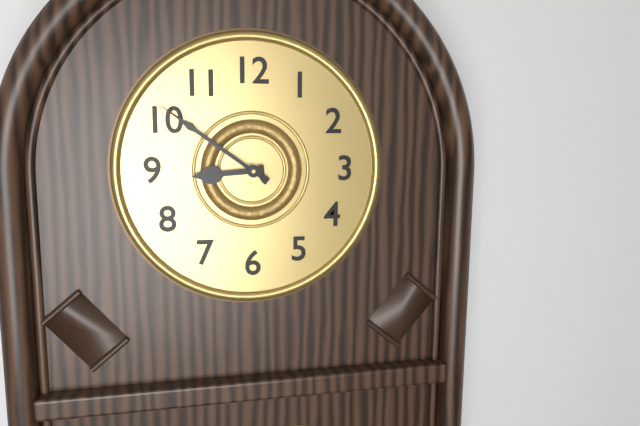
8:51
